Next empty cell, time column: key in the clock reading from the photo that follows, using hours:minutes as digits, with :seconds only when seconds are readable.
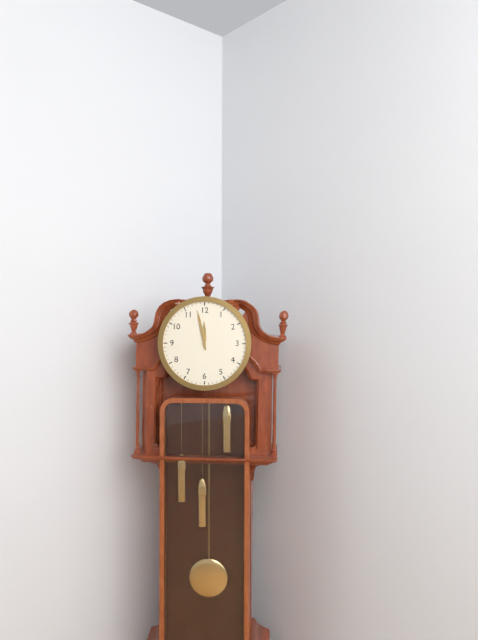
11:58
